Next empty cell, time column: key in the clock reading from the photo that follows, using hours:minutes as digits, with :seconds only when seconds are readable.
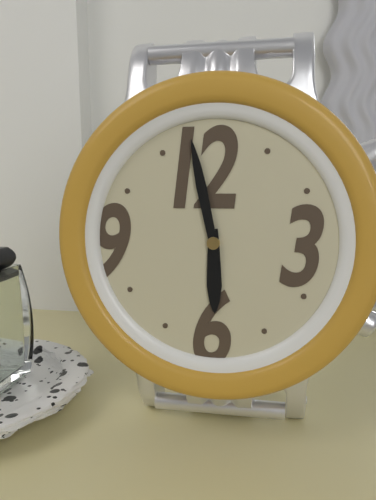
5:58
